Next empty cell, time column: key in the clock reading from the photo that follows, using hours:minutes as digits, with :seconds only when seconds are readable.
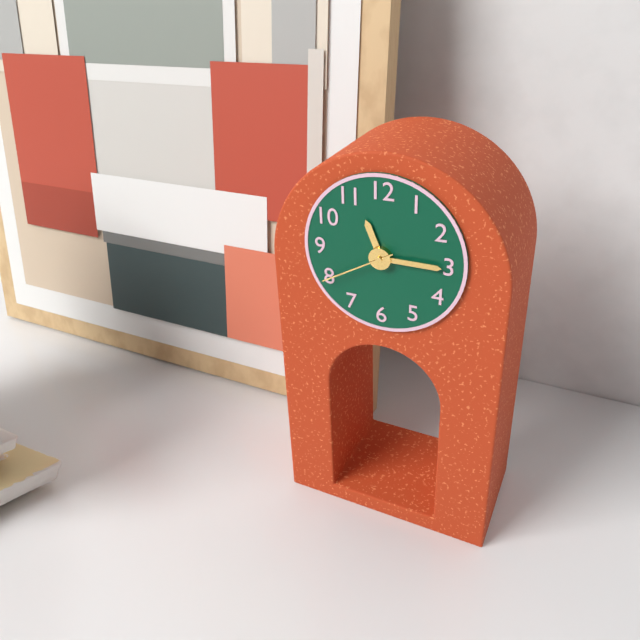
11:15:40
